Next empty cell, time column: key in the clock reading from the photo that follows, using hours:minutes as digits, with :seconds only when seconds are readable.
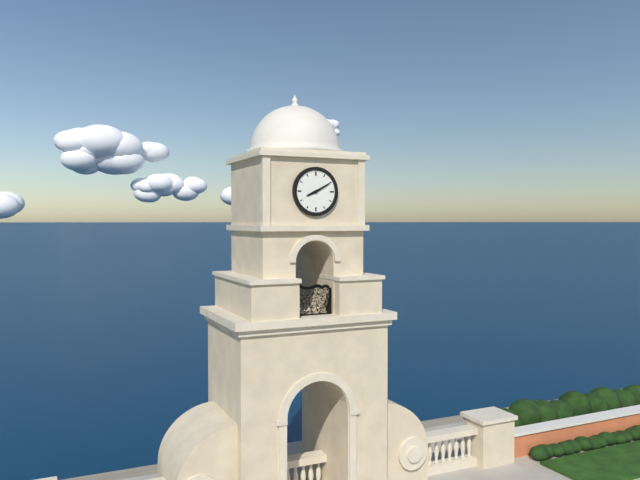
8:10
